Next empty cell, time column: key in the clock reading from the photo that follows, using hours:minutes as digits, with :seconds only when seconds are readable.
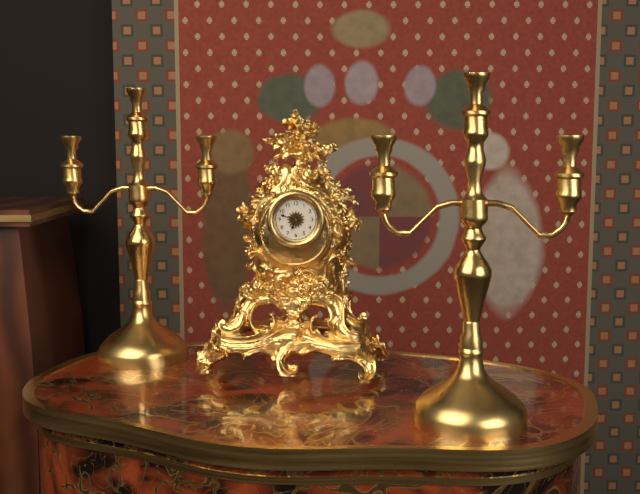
6:48
